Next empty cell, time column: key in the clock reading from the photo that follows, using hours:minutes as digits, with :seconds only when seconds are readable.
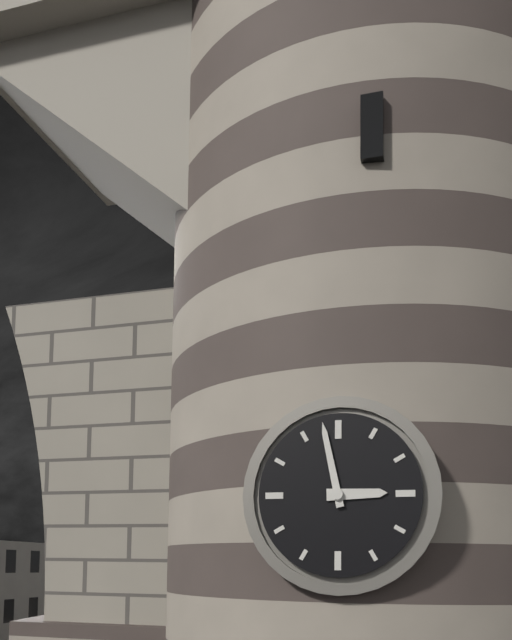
2:58
